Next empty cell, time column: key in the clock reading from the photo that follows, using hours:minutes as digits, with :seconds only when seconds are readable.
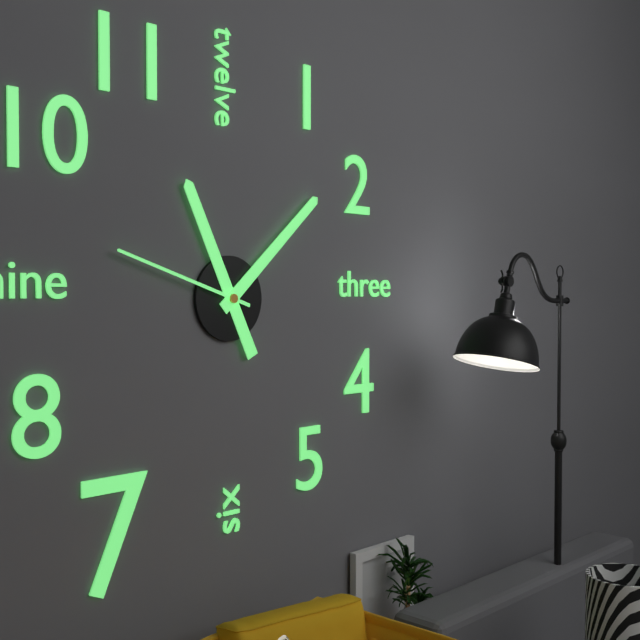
11:08:48
